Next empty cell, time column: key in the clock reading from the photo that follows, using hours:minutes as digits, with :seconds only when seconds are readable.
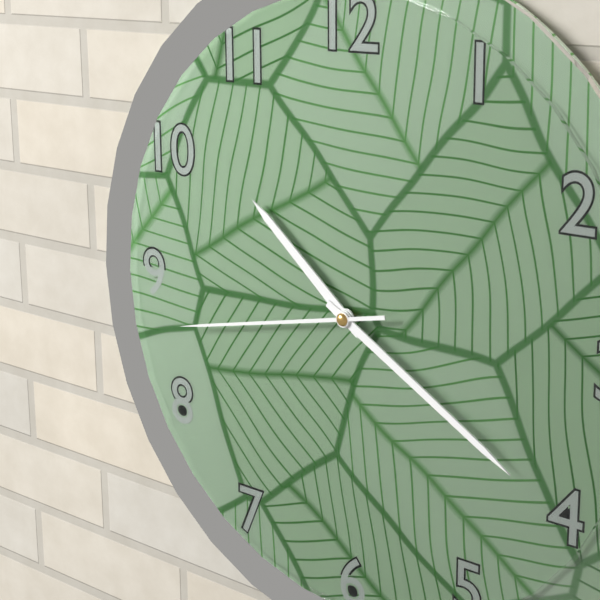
10:20:43
